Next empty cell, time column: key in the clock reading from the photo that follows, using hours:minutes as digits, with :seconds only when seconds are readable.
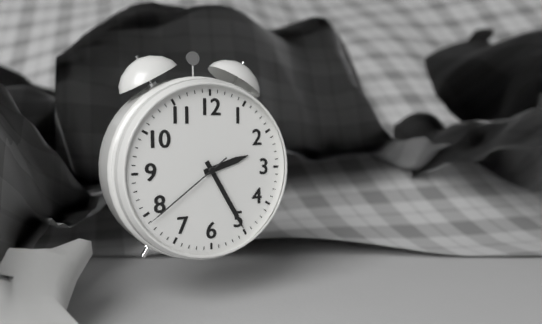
2:25:39
